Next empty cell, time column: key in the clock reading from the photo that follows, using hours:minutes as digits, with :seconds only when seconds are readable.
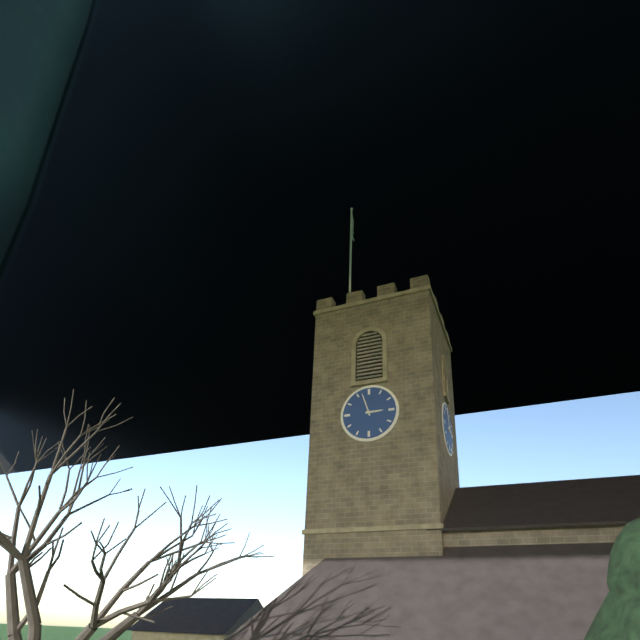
2:57
